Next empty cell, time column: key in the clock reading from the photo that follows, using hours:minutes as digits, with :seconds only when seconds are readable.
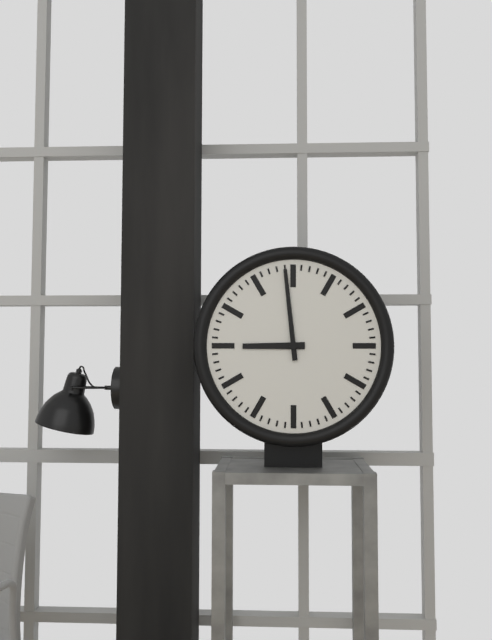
8:59
